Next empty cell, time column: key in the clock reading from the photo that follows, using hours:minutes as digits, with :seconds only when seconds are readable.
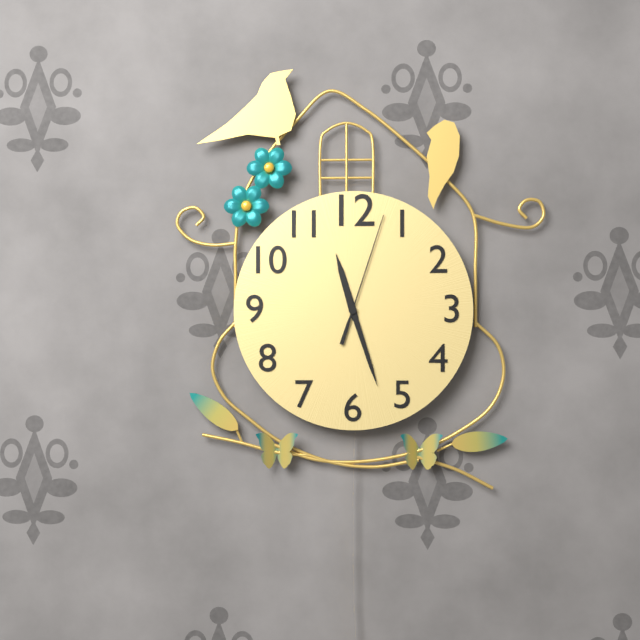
11:27:03
